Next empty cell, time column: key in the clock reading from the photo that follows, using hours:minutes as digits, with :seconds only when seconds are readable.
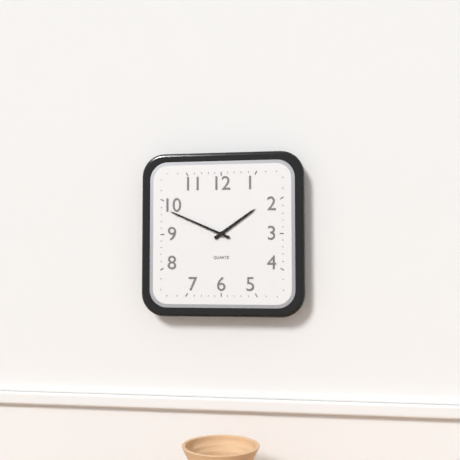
1:49
